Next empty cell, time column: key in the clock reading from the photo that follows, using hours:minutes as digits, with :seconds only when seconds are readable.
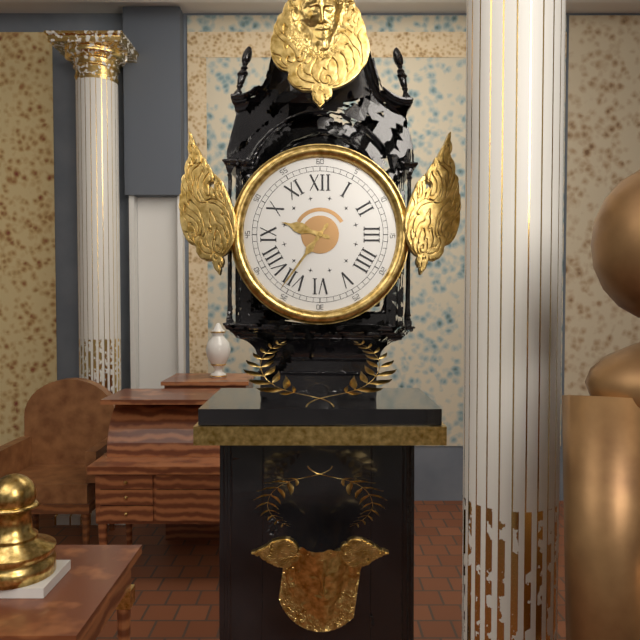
9:36
